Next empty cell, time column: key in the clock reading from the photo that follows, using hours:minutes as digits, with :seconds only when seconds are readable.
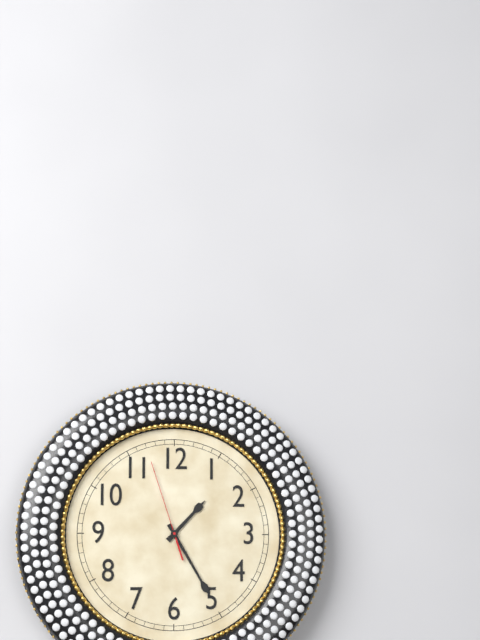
1:25:57
